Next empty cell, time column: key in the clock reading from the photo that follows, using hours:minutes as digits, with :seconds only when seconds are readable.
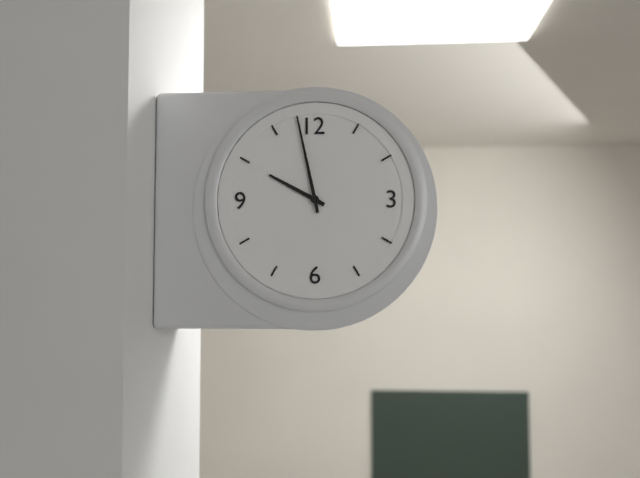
9:58
